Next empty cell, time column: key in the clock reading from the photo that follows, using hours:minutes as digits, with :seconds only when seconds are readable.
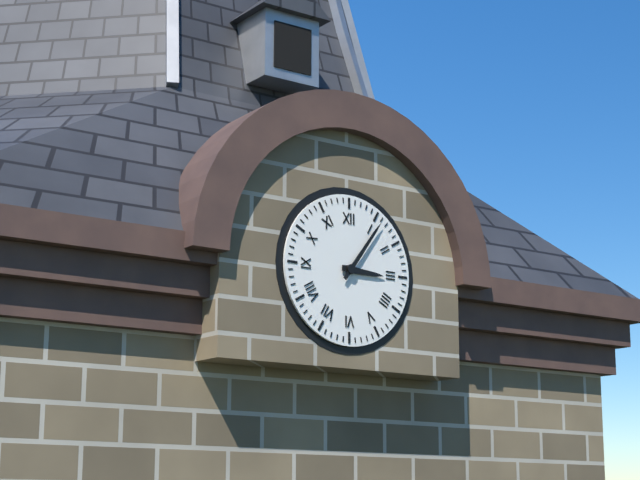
3:06
